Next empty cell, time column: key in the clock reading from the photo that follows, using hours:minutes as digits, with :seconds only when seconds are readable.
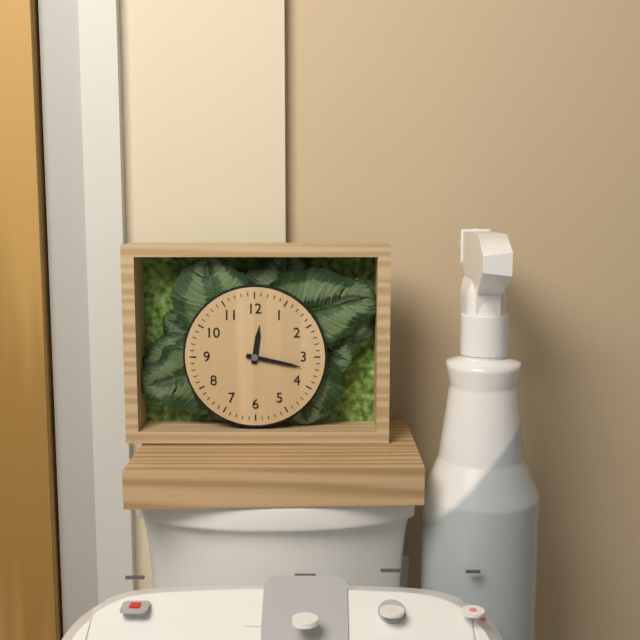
12:17
